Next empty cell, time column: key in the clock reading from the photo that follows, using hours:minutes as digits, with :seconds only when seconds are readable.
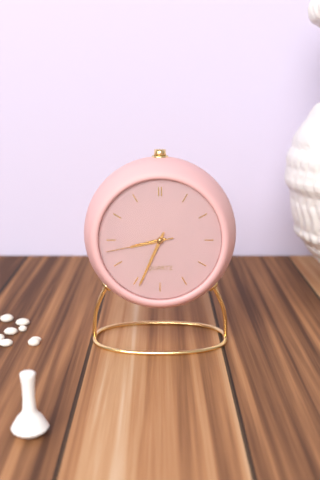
8:34:43
